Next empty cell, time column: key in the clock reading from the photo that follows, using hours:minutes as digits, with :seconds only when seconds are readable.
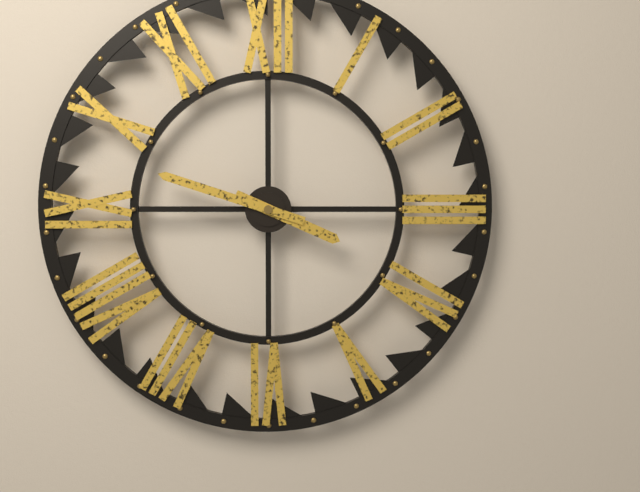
3:48
